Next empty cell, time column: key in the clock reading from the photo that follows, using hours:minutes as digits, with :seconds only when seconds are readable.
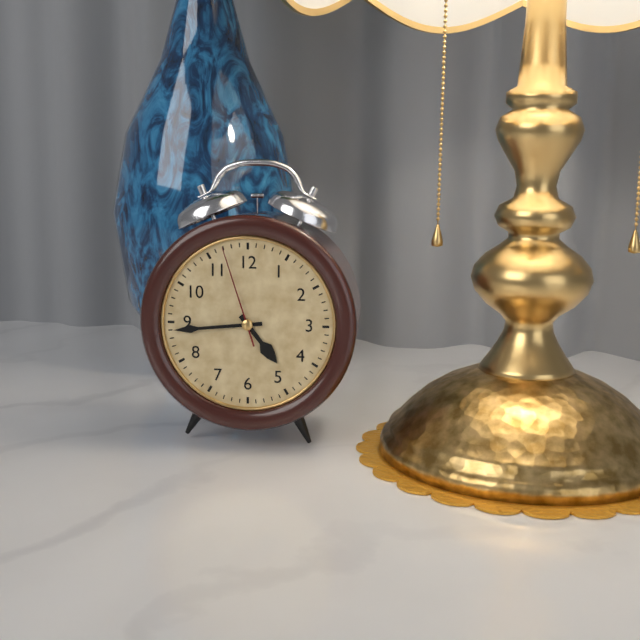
4:44:57
